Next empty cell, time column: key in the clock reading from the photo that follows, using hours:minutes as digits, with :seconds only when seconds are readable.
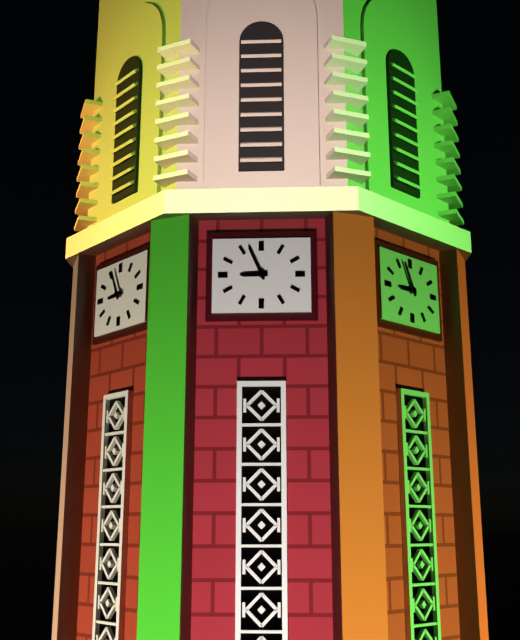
8:56
